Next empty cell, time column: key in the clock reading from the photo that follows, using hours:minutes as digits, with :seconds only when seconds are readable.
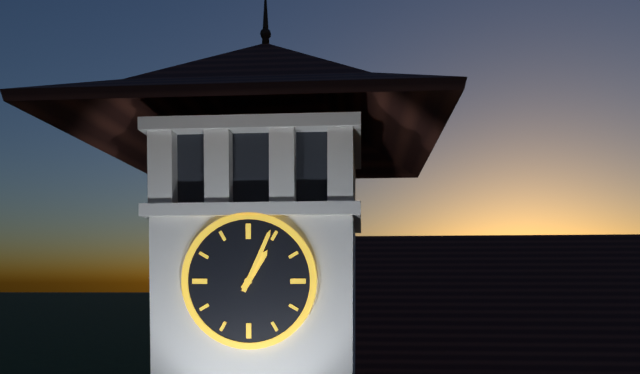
1:04
